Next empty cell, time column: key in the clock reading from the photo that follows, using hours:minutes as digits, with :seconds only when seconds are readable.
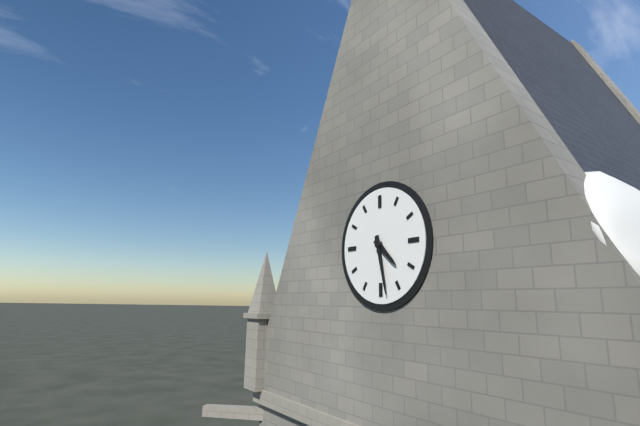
4:28
